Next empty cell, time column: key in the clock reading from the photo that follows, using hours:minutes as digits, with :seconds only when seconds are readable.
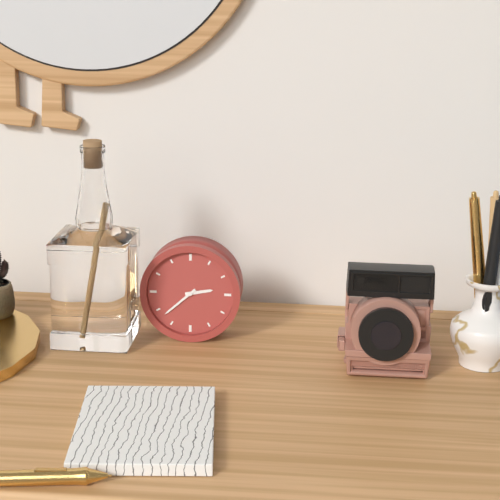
2:38
